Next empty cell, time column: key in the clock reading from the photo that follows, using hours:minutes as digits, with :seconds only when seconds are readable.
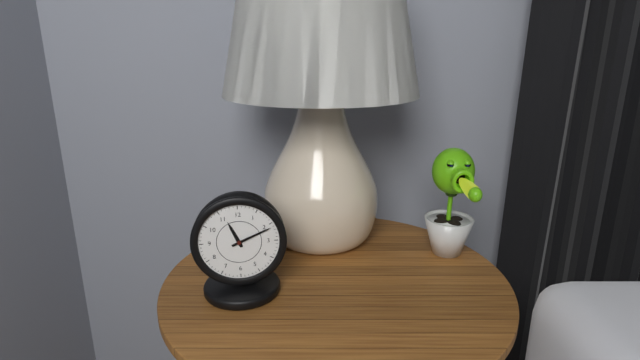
11:11
